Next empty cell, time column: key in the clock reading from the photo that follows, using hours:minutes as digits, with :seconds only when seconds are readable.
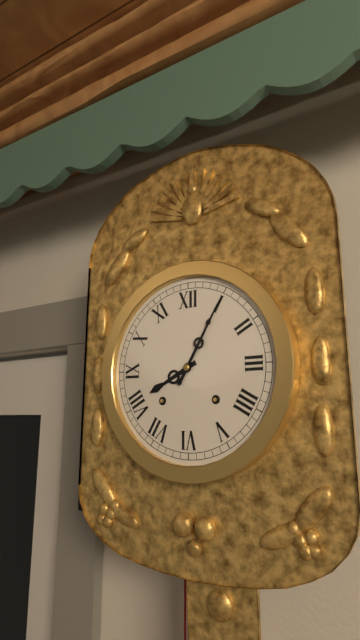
8:05
